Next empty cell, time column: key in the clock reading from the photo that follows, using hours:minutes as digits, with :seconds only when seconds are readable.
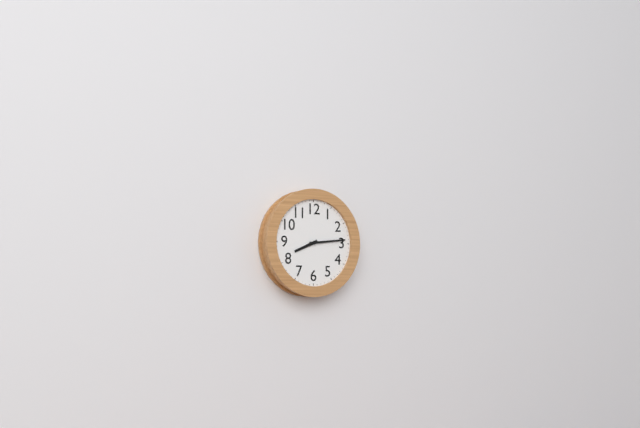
8:14
